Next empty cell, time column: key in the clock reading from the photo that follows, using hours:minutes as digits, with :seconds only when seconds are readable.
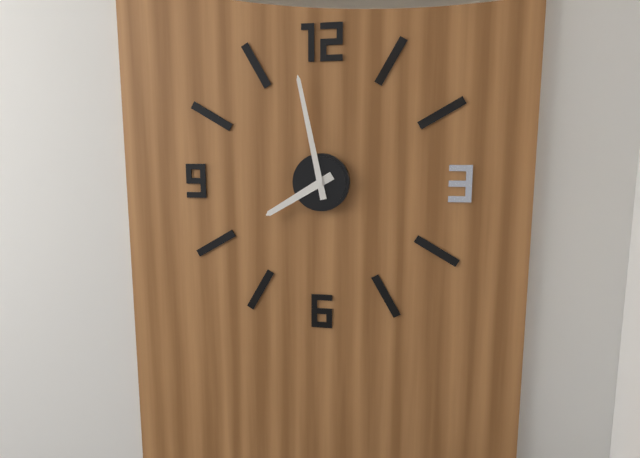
7:58
